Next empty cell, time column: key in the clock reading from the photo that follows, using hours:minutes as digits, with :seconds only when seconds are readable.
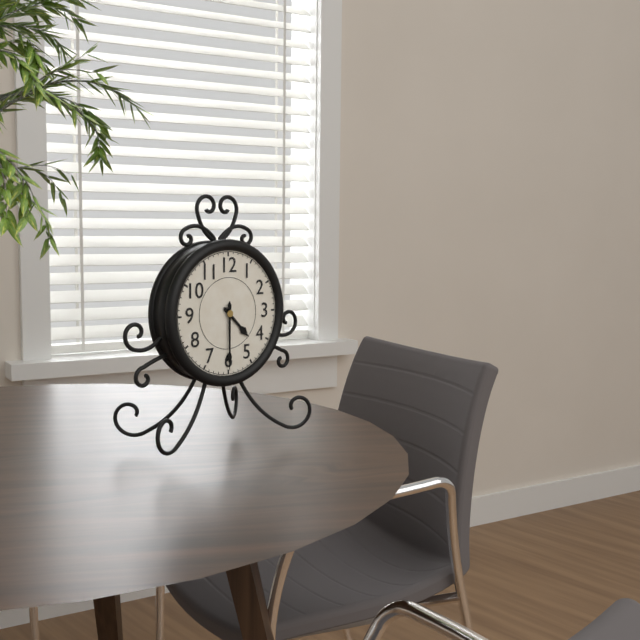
4:30
